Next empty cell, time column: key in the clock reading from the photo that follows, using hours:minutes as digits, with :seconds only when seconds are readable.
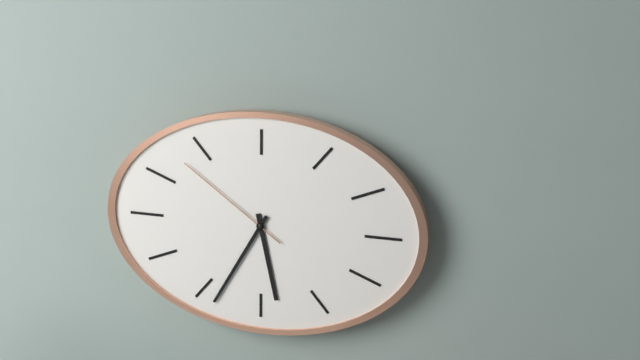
5:35:51
